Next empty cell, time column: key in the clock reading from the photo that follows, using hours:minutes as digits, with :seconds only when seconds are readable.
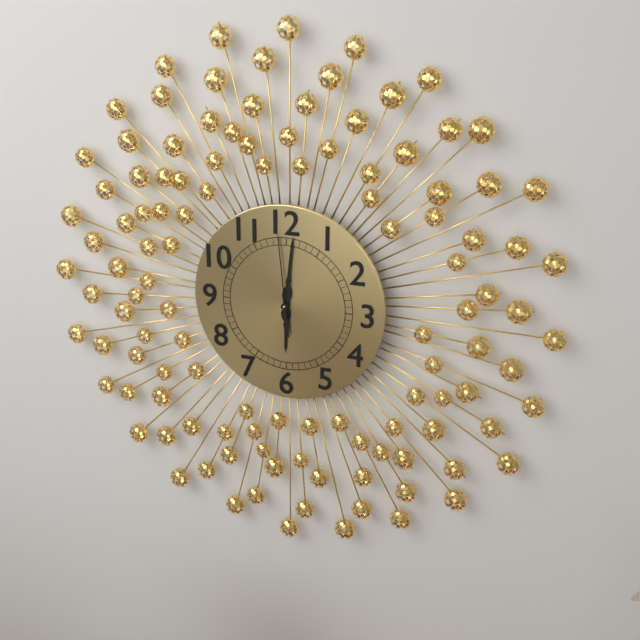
6:01:59
